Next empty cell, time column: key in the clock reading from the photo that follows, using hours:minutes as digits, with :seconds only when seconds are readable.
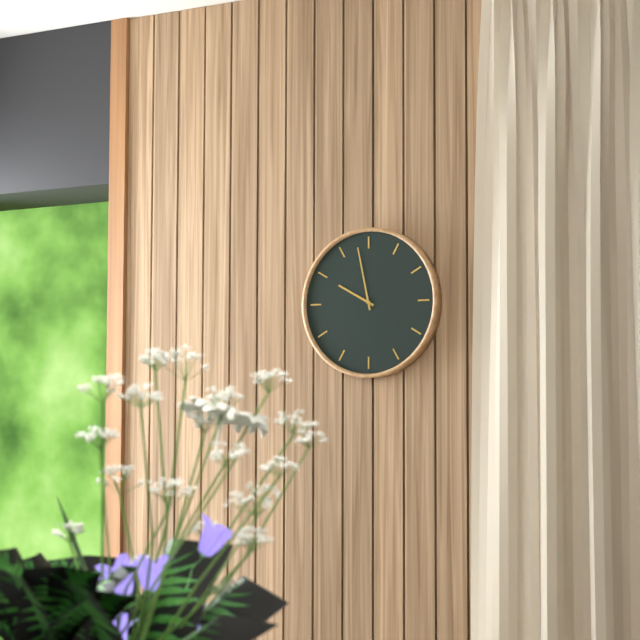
9:58
